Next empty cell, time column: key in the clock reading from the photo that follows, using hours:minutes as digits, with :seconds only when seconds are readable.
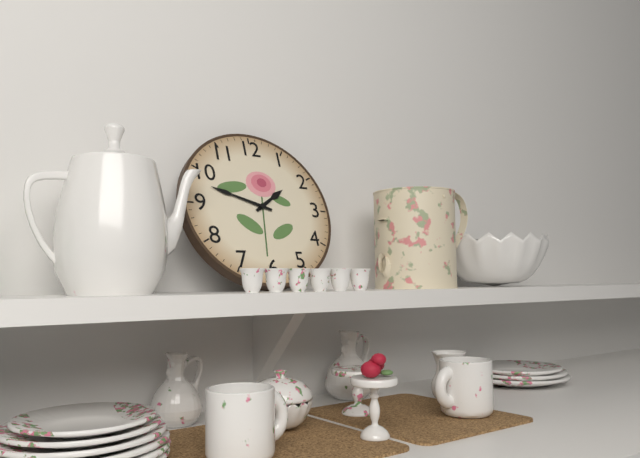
1:48
